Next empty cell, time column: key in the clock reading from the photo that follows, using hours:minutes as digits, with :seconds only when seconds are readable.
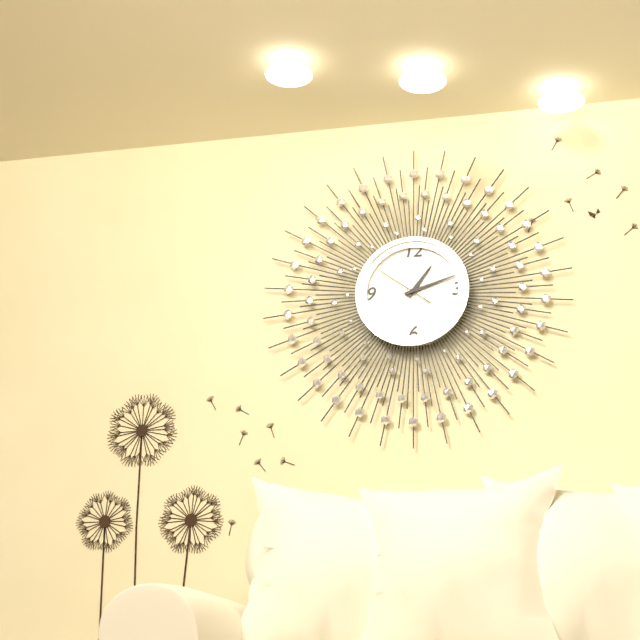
1:12
